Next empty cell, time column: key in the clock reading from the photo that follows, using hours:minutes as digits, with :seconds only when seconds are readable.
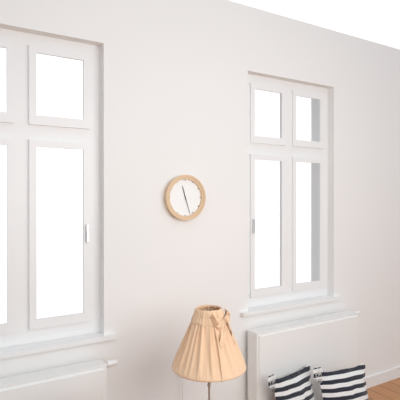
11:27
